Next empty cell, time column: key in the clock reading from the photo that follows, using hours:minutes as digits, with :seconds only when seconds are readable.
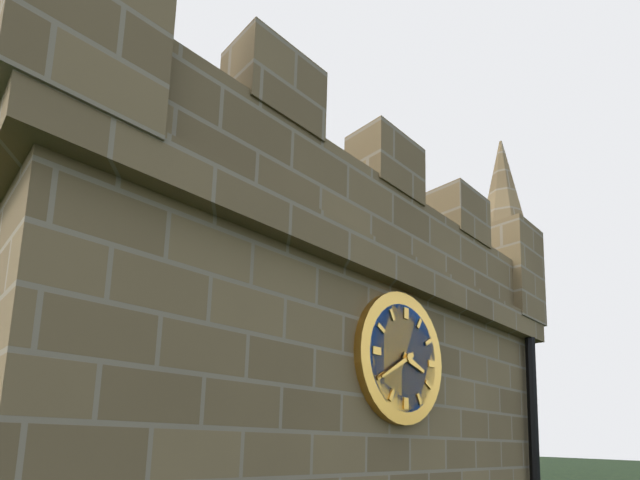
3:40
